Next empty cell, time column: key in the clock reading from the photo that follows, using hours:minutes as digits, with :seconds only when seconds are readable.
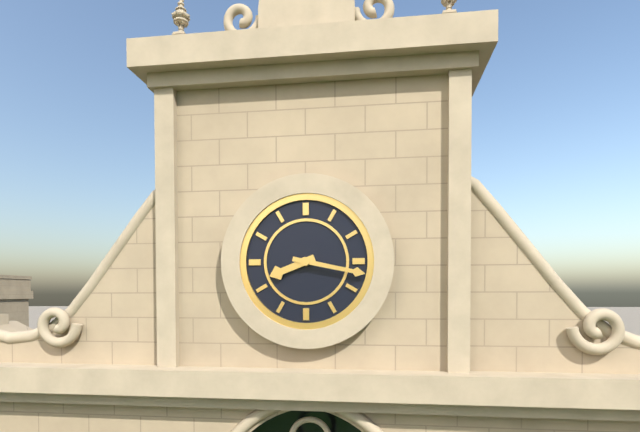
8:17
